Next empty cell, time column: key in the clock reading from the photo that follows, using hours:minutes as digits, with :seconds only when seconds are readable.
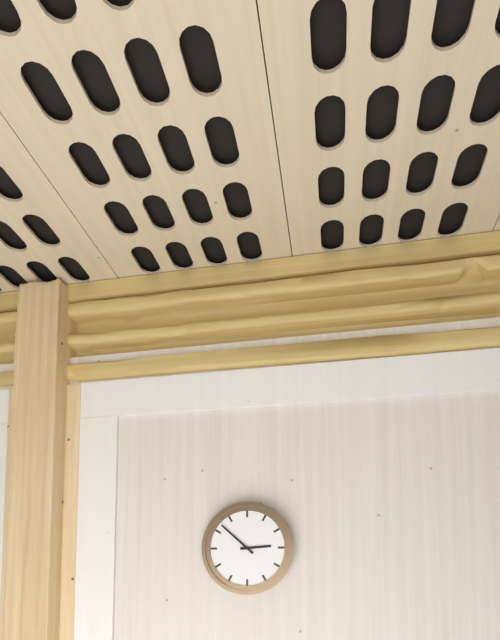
2:52
